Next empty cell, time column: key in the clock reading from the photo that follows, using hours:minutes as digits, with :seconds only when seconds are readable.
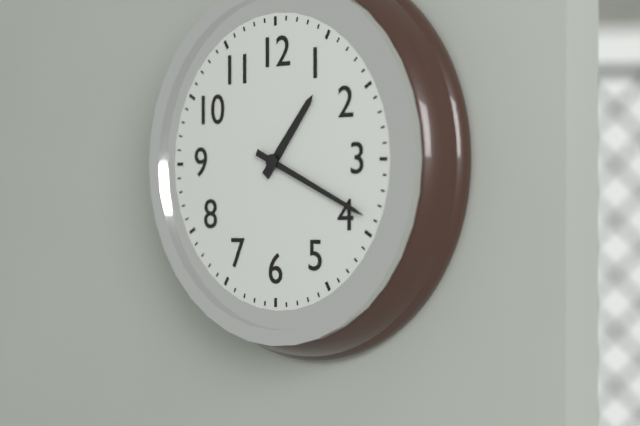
1:19
